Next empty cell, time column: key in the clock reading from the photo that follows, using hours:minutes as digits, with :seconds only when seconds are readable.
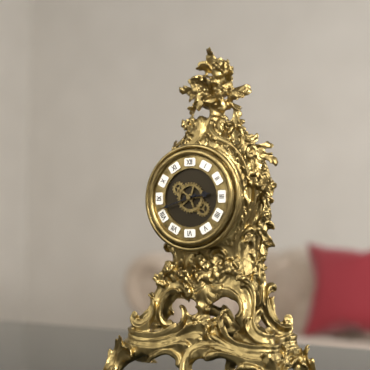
2:42
